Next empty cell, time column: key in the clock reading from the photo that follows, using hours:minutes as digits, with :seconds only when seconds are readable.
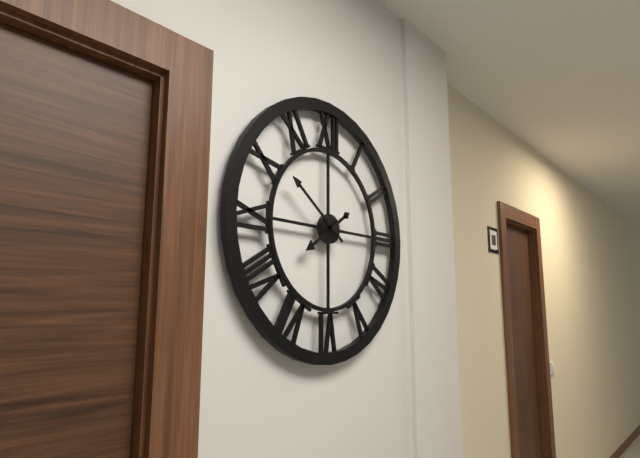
7:51
